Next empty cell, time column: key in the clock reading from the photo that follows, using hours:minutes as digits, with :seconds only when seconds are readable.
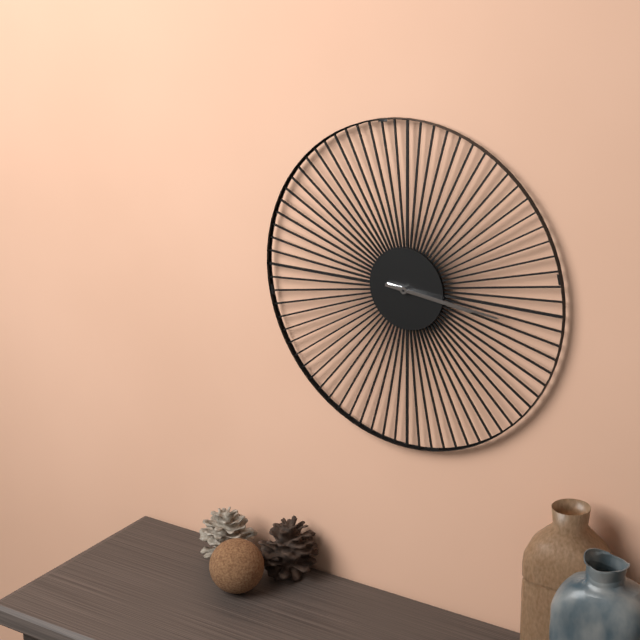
3:16
